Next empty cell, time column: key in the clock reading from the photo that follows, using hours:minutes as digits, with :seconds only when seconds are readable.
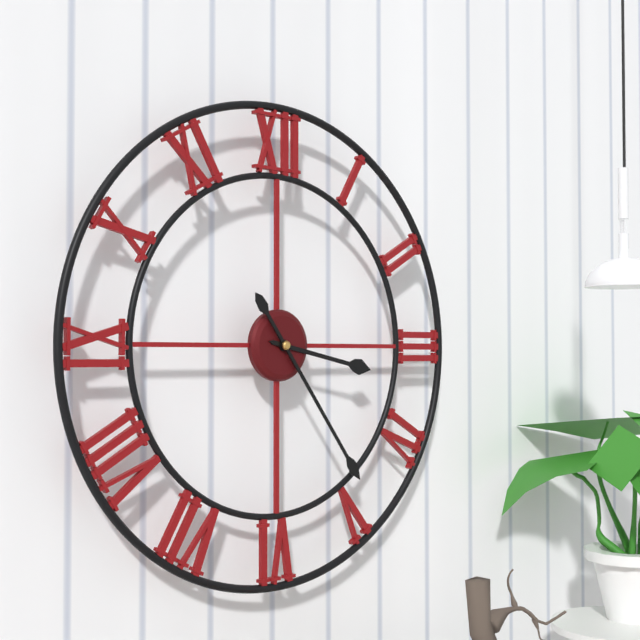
3:24
